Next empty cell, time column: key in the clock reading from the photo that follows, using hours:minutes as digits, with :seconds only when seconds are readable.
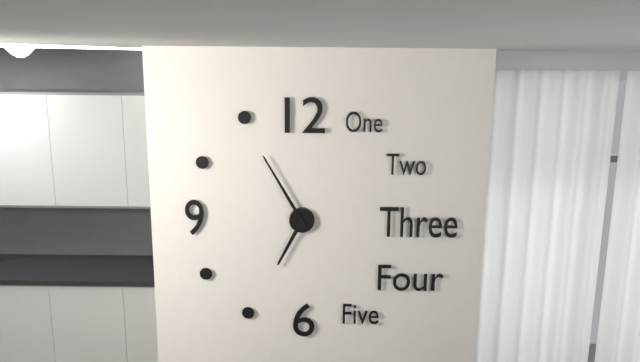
6:55
